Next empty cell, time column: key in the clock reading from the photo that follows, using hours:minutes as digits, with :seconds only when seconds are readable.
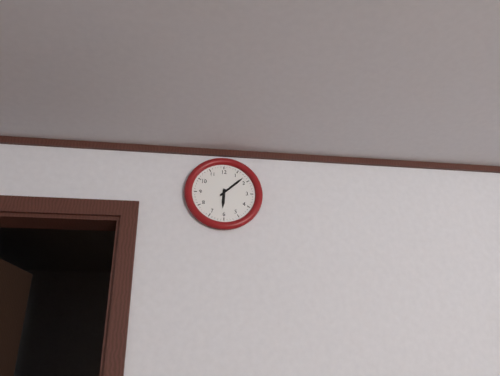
6:08
